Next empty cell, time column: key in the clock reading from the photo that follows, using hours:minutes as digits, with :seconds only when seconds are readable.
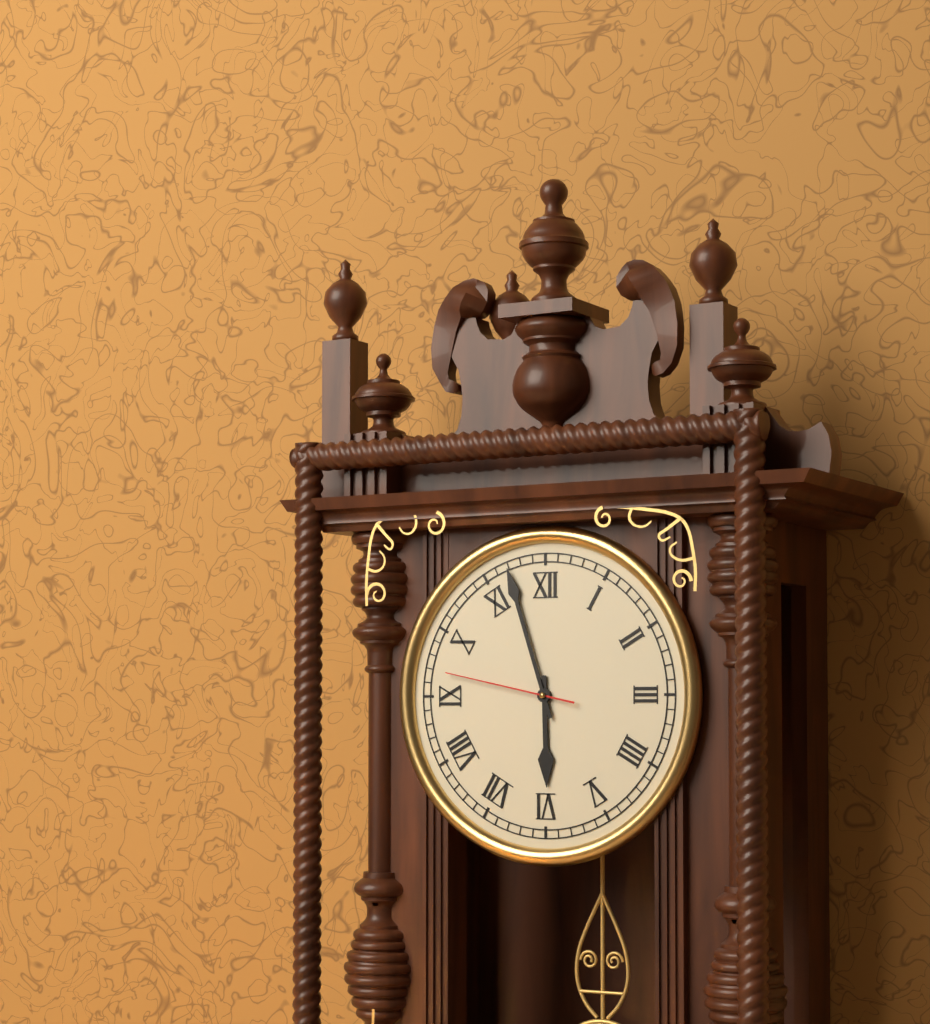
5:57:47
